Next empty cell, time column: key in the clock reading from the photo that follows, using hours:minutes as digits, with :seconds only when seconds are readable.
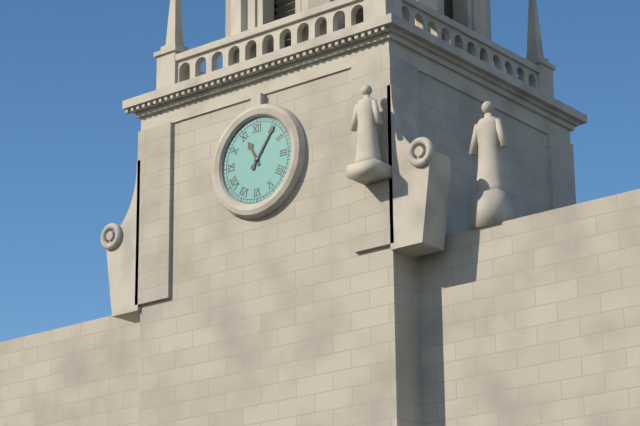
11:06
